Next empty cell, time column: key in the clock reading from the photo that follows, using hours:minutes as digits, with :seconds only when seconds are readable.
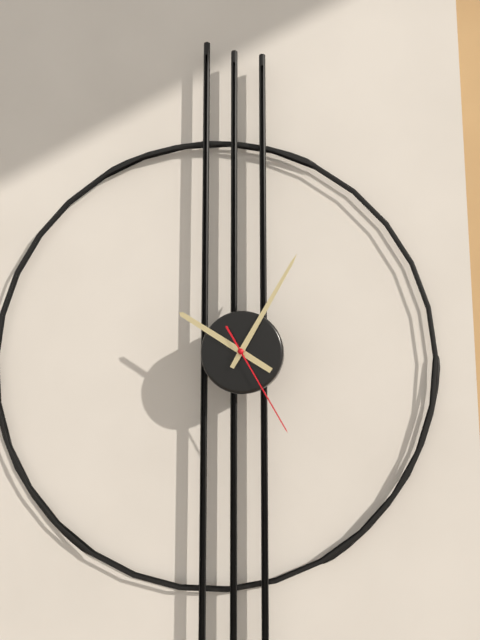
10:05:25
